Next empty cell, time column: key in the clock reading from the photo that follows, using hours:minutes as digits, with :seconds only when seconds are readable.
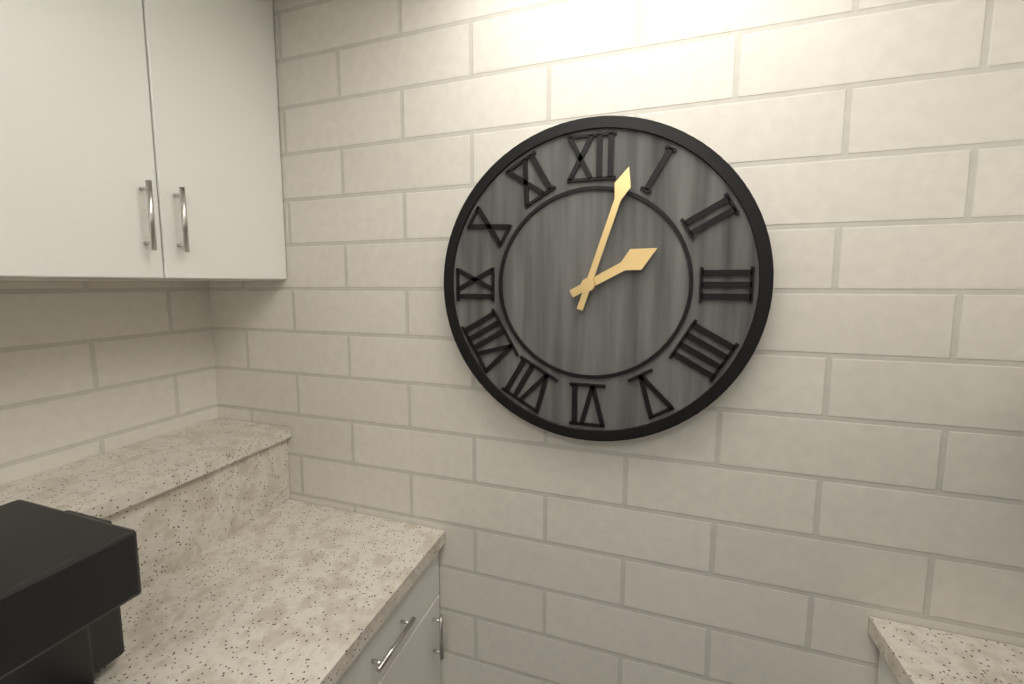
2:03
